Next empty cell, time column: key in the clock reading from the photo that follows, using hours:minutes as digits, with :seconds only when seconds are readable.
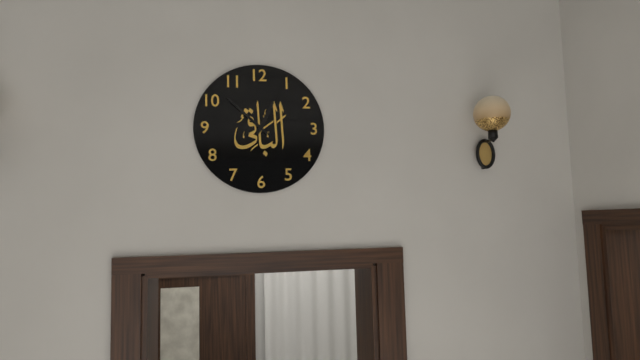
12:52
